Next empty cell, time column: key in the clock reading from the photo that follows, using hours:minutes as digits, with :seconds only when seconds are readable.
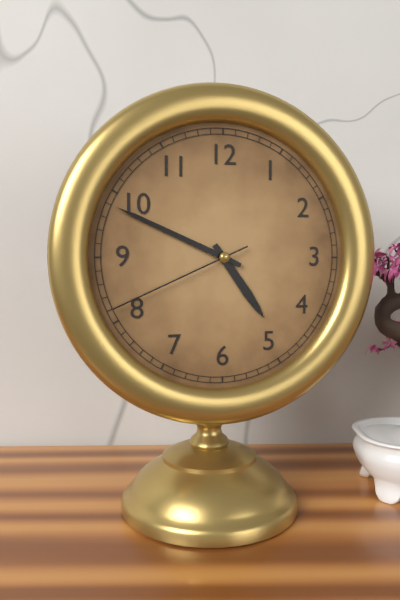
4:49:41
